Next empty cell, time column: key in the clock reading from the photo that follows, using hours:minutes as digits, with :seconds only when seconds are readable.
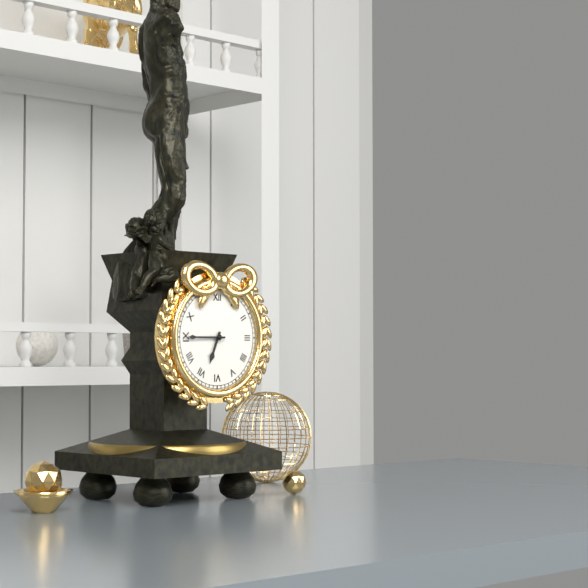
6:45
